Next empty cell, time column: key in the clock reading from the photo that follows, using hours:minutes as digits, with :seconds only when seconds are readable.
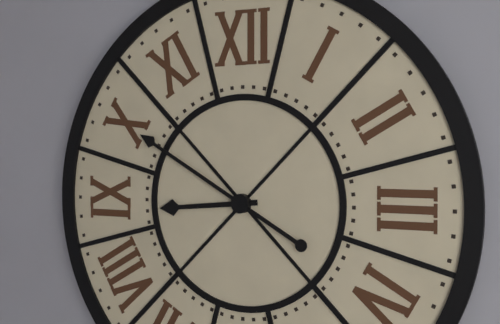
8:50
